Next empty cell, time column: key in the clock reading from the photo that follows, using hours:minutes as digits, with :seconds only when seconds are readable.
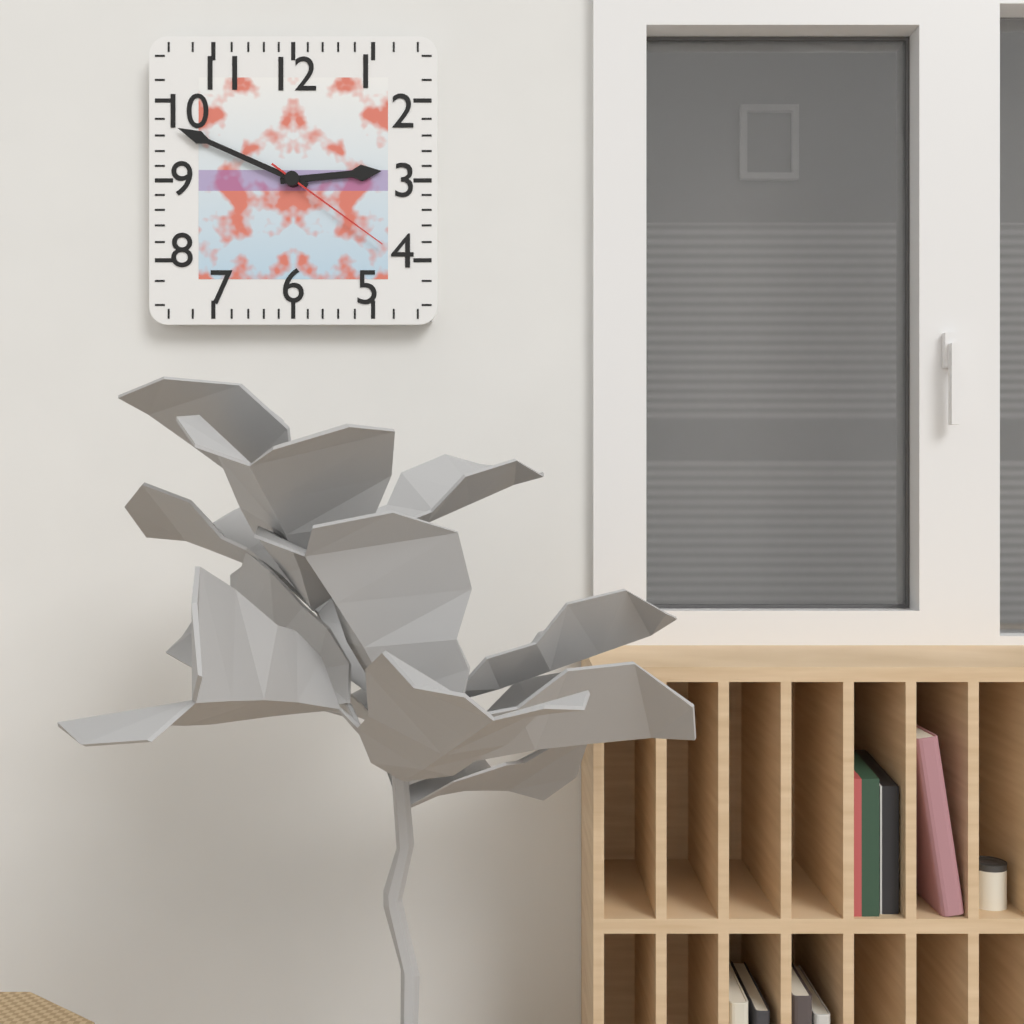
2:49:21
